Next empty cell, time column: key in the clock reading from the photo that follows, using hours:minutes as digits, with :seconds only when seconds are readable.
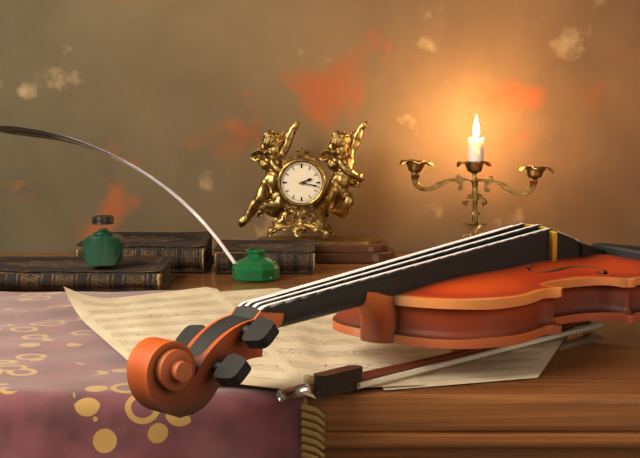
2:17
